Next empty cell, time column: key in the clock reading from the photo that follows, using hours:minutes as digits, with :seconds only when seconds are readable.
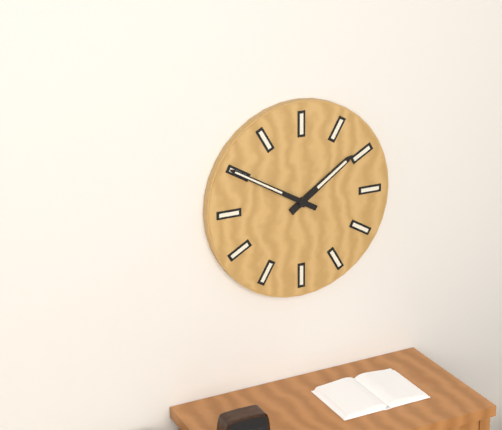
1:50
